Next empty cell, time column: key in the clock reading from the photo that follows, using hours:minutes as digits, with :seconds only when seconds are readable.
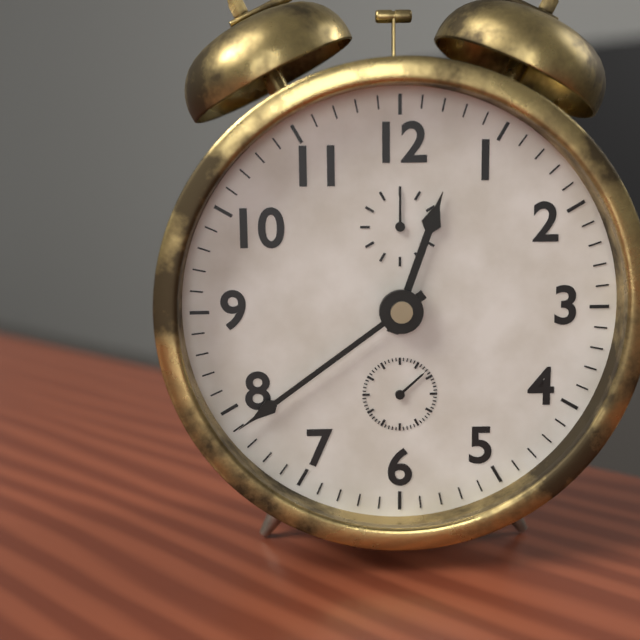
12:39
